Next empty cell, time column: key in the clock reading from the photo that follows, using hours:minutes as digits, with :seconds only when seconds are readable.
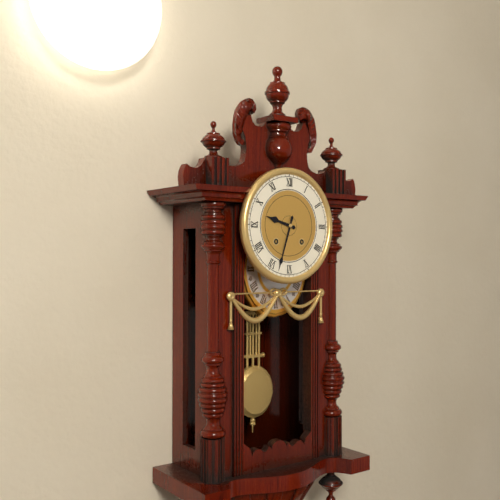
9:33
